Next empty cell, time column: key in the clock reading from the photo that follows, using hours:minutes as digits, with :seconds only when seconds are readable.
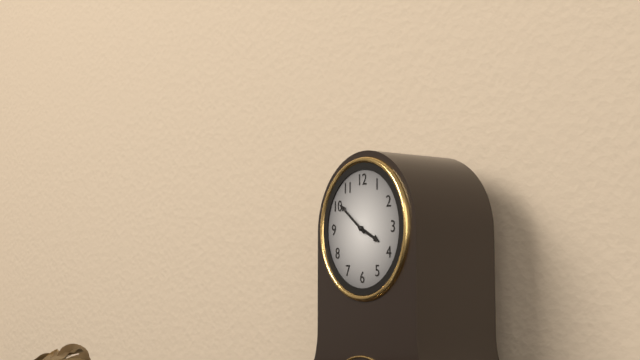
3:51
